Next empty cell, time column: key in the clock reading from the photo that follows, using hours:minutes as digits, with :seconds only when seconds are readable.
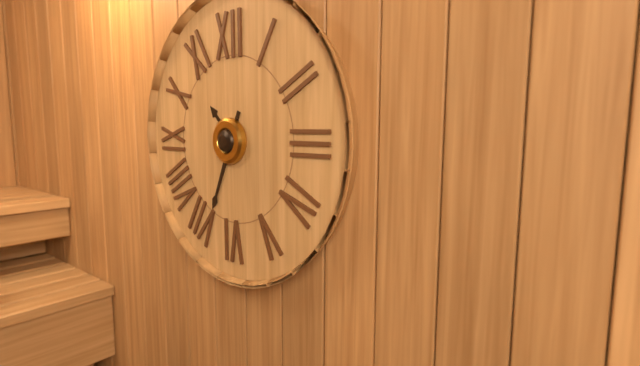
10:34
